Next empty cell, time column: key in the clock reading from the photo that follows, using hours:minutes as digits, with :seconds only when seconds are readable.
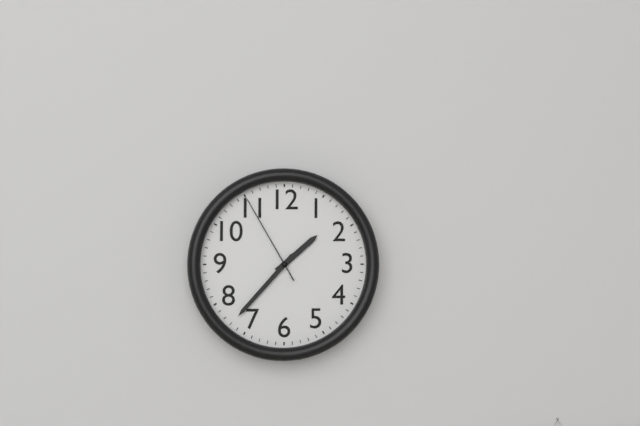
1:37:55
